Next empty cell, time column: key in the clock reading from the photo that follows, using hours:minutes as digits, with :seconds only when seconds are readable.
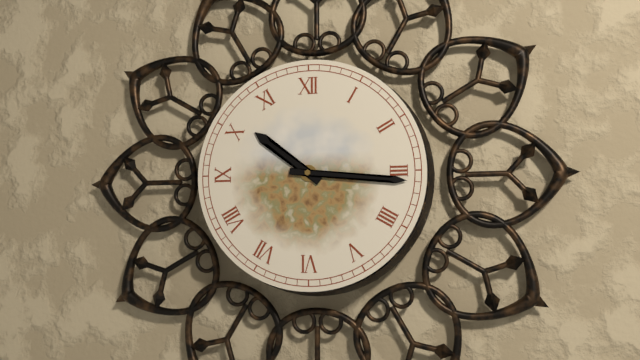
10:16
